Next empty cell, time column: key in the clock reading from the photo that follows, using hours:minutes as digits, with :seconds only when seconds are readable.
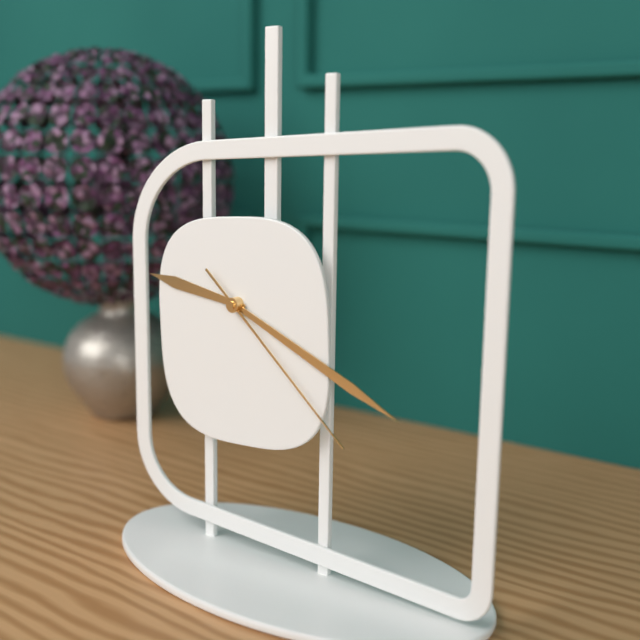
9:19:22
